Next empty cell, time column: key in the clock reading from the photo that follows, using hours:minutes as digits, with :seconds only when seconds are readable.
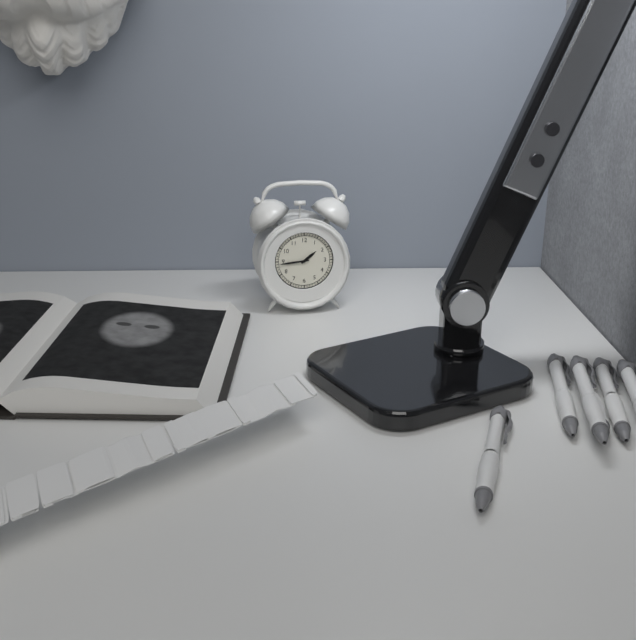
1:44
